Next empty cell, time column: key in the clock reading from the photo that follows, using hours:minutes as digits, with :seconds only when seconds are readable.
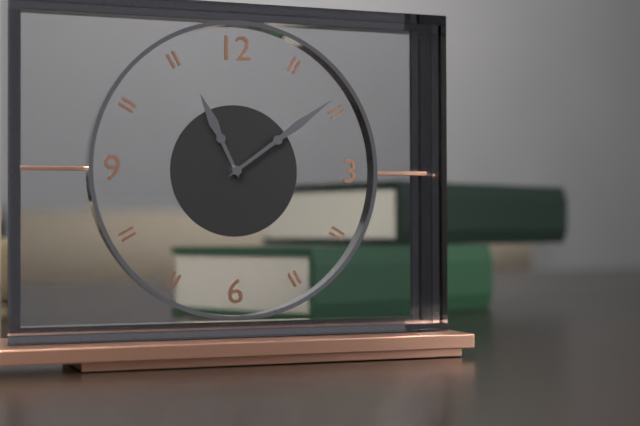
11:09
